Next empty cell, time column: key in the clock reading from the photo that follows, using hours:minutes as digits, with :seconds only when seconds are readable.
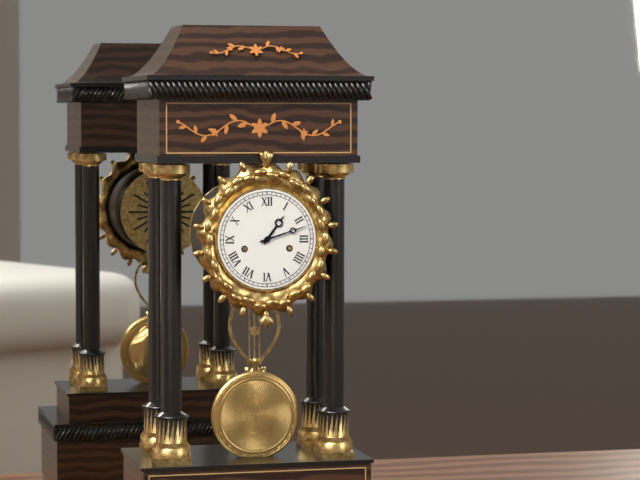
1:12
